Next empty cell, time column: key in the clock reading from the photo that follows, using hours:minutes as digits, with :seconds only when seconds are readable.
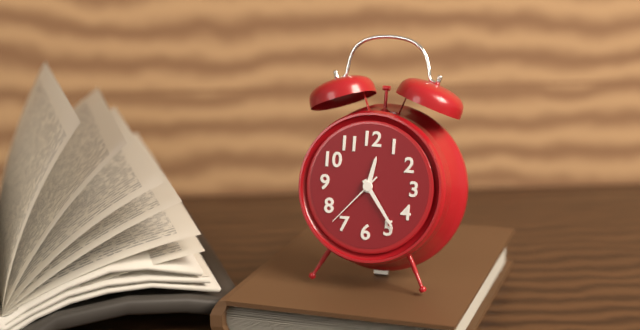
12:24:37
